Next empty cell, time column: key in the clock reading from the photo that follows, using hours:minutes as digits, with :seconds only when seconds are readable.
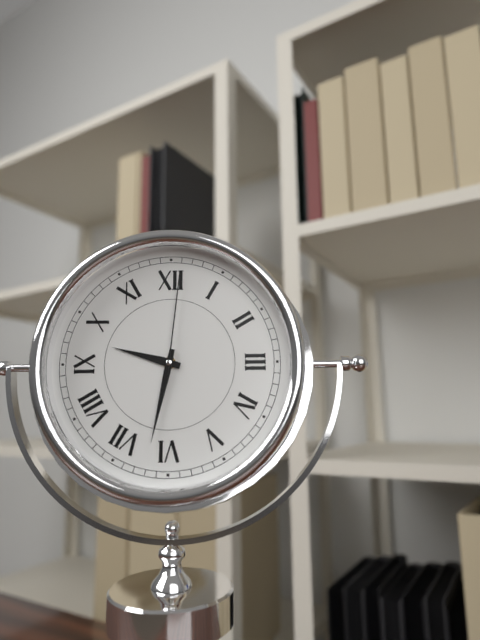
9:32:01
